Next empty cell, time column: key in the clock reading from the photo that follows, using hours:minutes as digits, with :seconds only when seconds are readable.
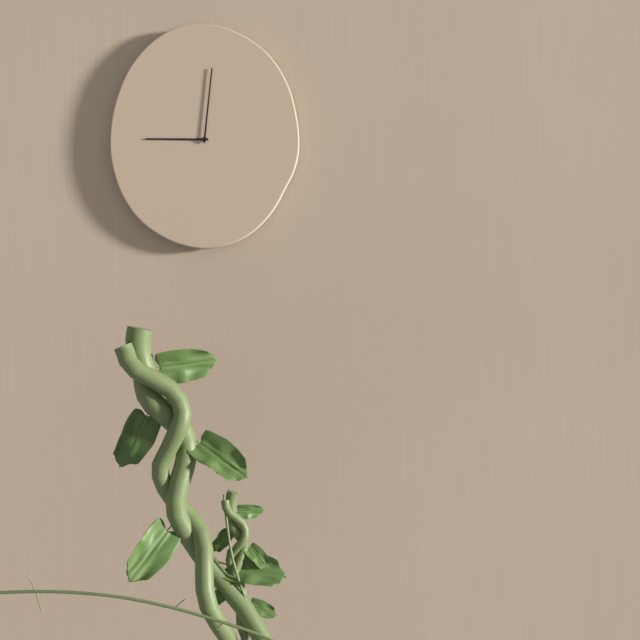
9:01
